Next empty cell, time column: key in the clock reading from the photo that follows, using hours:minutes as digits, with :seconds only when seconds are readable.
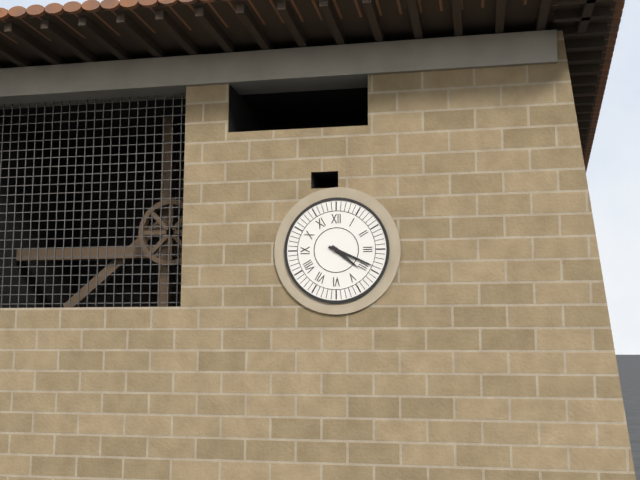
4:19
